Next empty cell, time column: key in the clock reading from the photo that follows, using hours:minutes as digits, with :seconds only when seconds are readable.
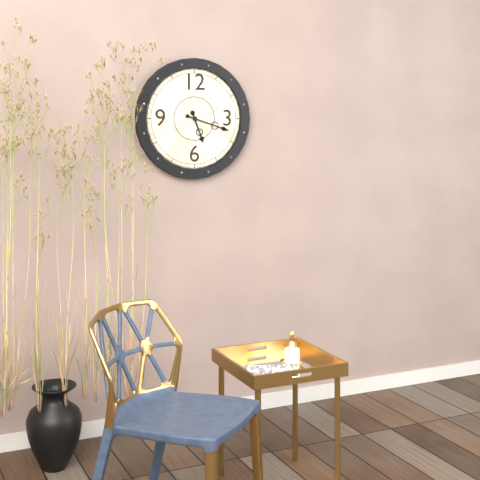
5:18
